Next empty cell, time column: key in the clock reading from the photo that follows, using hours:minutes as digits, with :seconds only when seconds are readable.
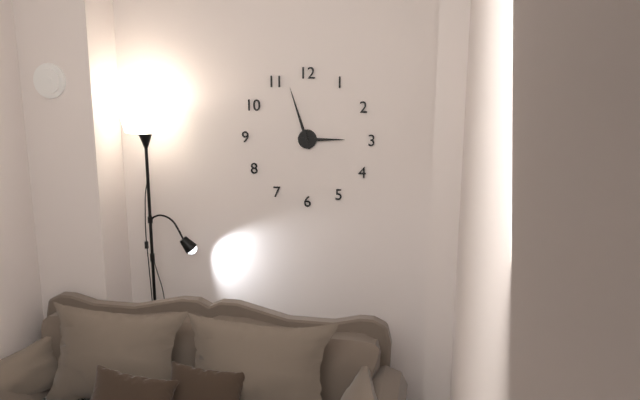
2:57
